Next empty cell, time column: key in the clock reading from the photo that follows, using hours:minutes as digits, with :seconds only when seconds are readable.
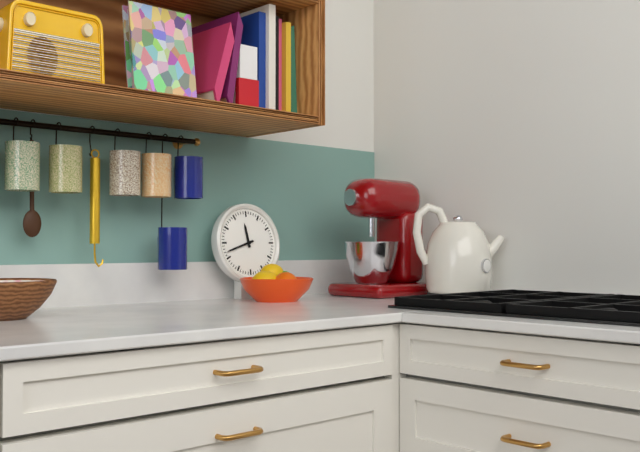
11:42
